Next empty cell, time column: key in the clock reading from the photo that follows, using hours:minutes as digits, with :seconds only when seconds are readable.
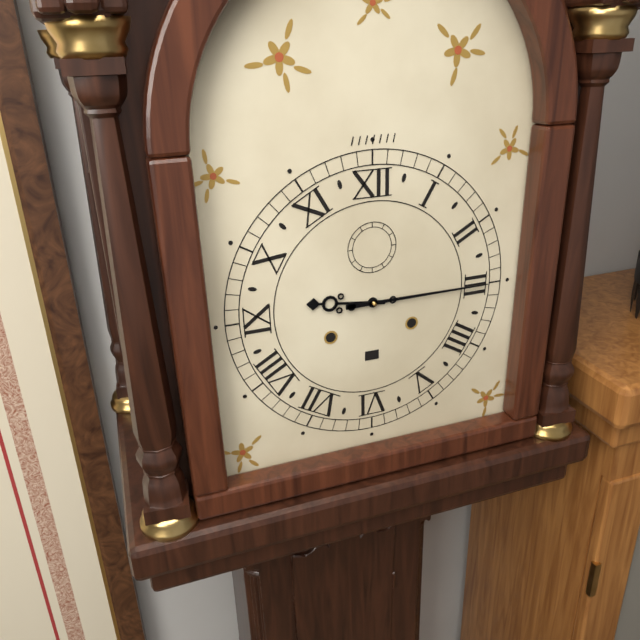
9:15
